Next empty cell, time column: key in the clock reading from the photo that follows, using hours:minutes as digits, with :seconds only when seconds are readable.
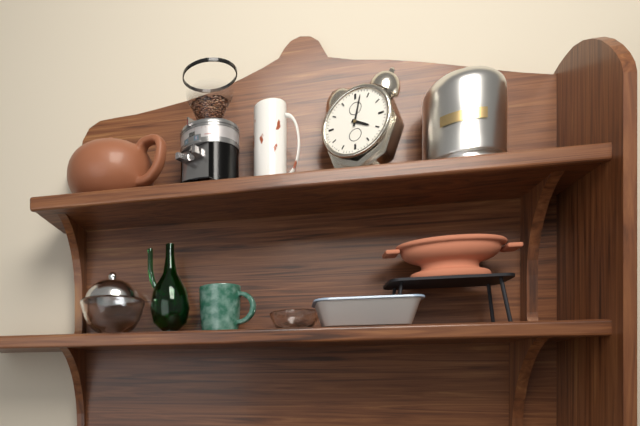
4:02
